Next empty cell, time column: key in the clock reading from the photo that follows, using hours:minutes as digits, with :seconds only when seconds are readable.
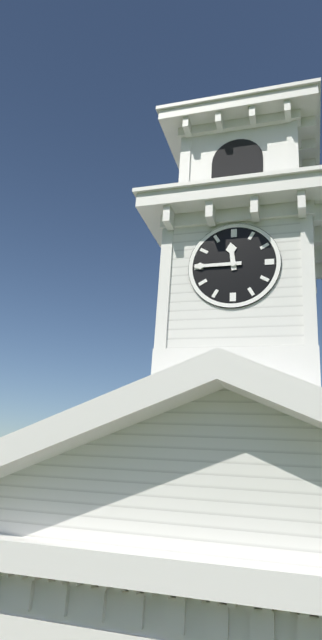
11:45
